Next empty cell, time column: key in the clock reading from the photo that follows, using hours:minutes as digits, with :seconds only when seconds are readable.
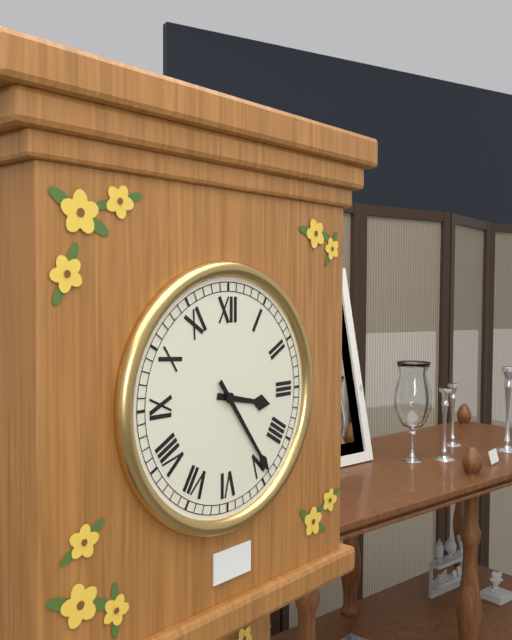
3:24
